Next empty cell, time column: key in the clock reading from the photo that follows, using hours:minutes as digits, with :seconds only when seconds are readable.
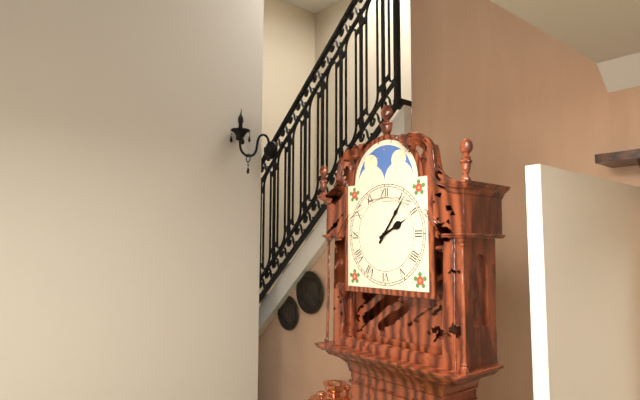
2:06
